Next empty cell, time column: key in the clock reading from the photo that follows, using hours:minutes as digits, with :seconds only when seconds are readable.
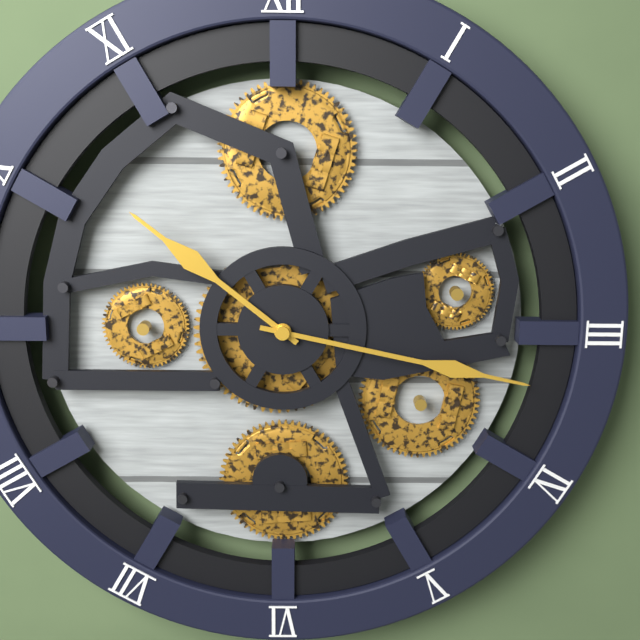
10:17
